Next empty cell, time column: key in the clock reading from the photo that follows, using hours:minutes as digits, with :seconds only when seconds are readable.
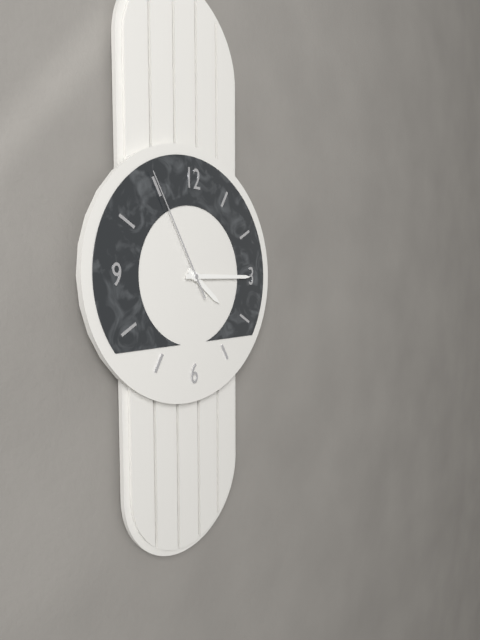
4:15:55
